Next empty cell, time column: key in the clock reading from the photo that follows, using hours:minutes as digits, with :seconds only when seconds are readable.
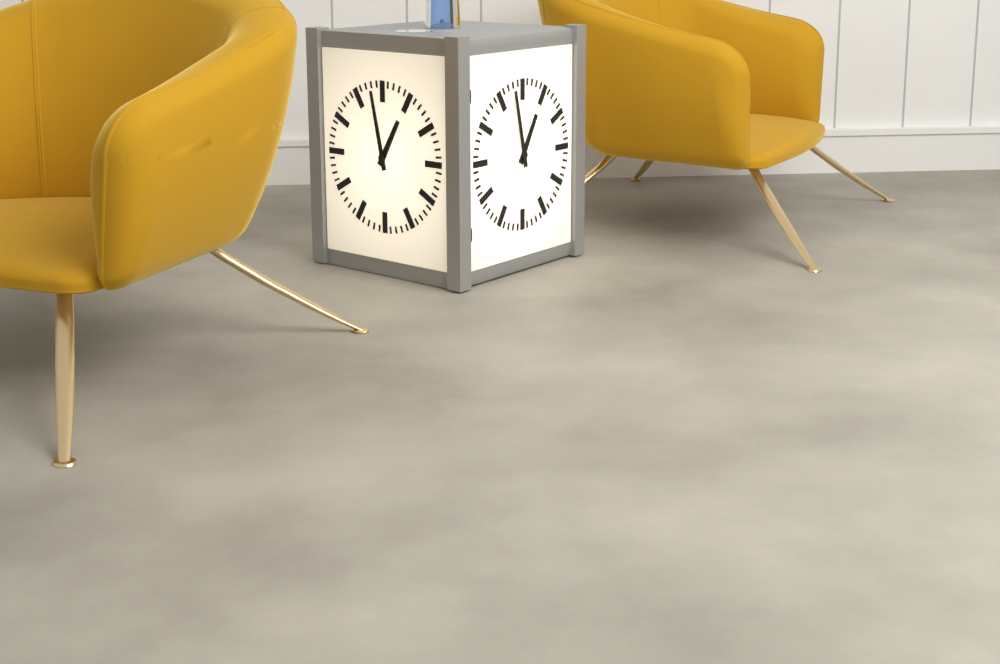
12:58
